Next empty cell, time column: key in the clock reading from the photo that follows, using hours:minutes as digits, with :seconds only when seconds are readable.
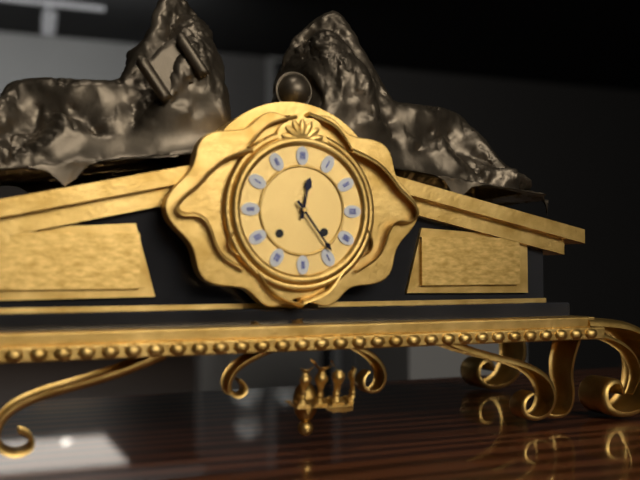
12:24
